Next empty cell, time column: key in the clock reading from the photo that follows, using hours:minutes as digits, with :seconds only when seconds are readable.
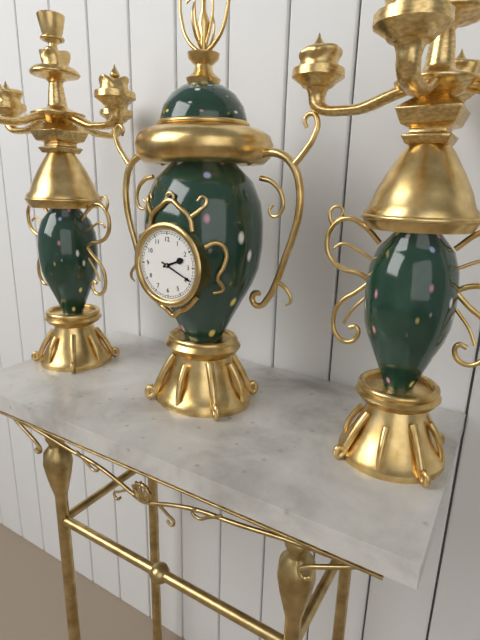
2:19
